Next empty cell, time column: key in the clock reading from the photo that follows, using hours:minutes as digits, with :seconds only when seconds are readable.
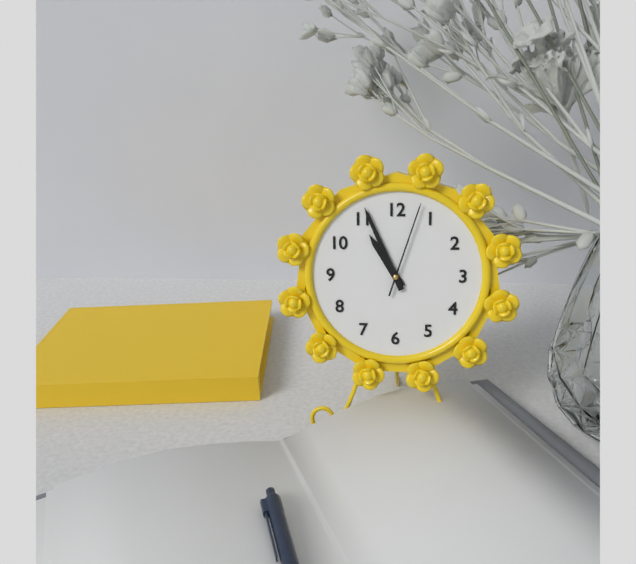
10:56:03
